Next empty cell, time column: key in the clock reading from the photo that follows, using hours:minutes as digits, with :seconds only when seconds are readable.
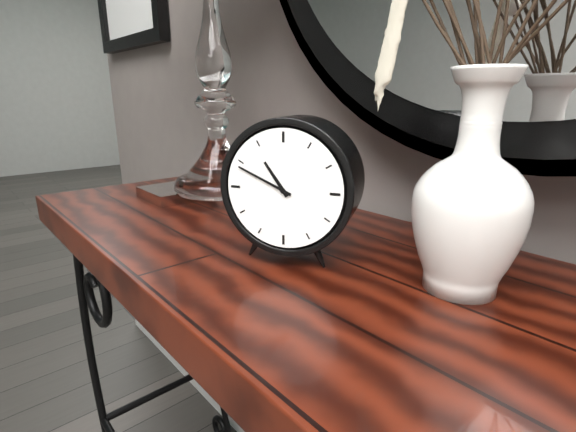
10:49
